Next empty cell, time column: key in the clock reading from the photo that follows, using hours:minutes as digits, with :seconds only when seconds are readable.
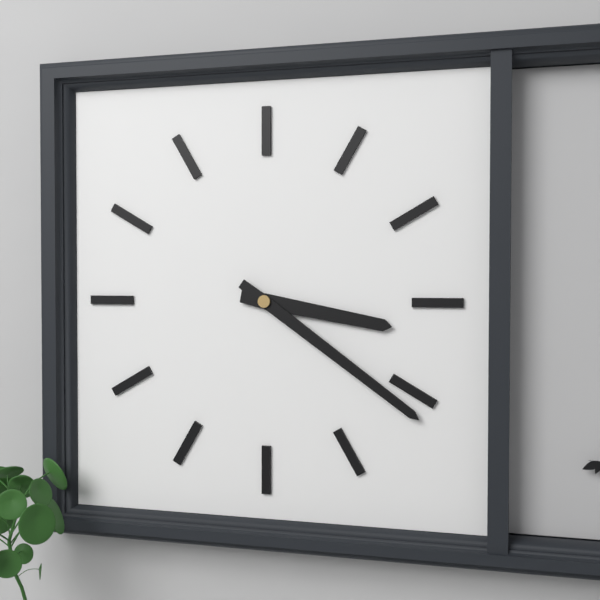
3:21
